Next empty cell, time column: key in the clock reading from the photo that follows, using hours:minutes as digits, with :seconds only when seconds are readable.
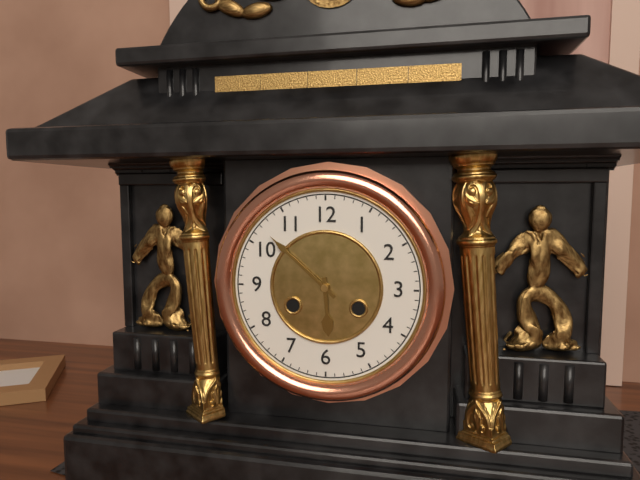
5:52
